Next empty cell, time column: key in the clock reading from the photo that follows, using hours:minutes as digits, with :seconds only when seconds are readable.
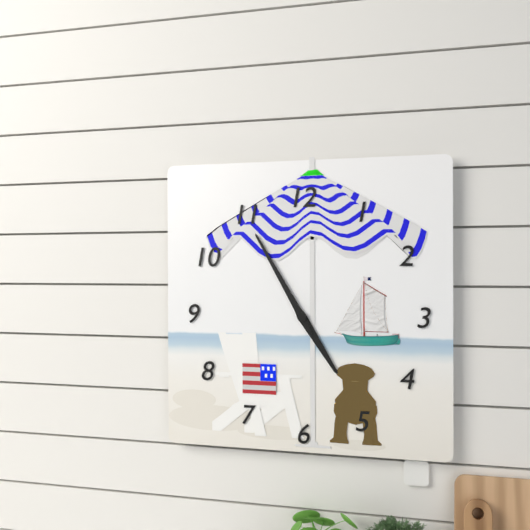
4:55
